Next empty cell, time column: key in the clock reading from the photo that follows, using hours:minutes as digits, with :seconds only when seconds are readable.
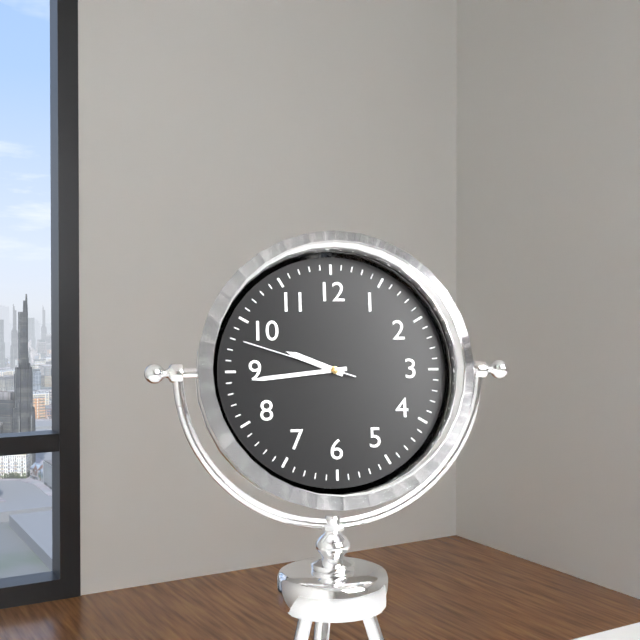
9:44:48
